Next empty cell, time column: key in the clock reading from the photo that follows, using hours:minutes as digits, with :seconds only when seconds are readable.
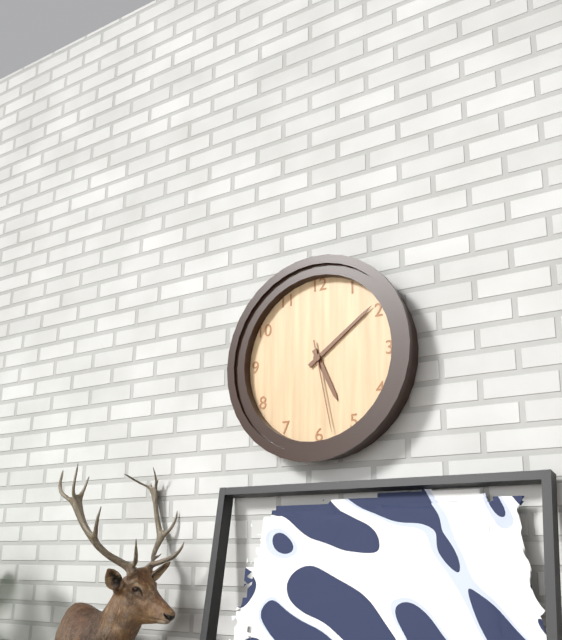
5:09:28
